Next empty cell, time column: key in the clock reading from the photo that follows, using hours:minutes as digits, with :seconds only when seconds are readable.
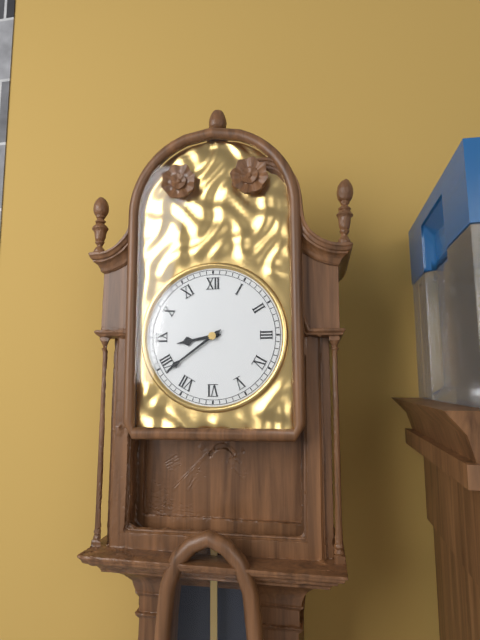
8:39
